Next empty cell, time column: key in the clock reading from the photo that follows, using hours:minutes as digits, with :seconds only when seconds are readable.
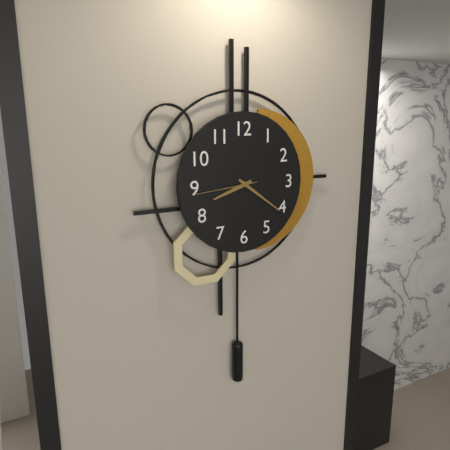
8:21:44
